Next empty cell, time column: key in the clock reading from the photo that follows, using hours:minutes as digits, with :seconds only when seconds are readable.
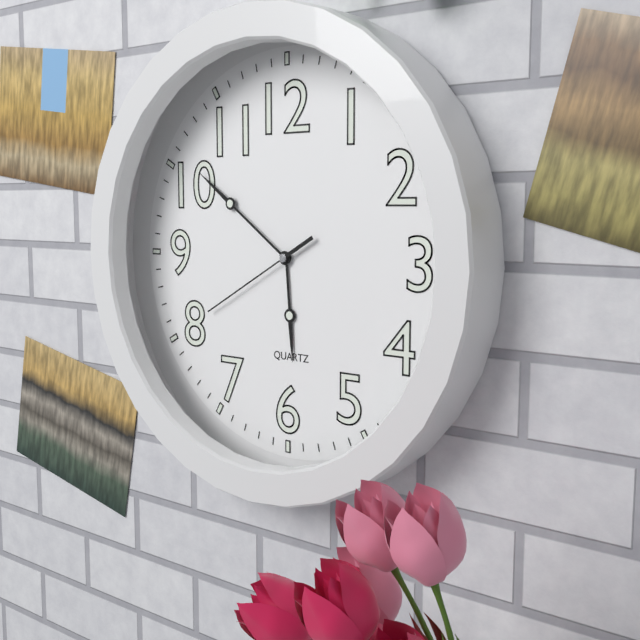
5:51:40
